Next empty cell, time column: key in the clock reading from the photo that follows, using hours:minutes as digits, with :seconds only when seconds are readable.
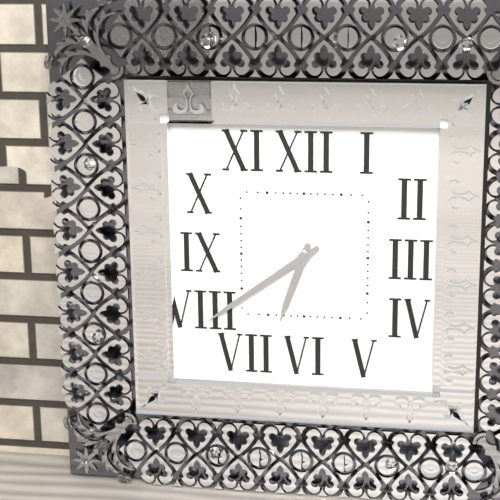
6:39
